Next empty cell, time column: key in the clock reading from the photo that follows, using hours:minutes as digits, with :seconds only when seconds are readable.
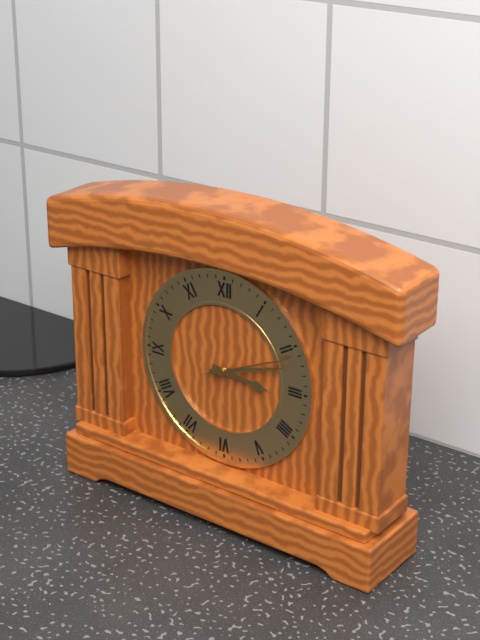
3:12:11
